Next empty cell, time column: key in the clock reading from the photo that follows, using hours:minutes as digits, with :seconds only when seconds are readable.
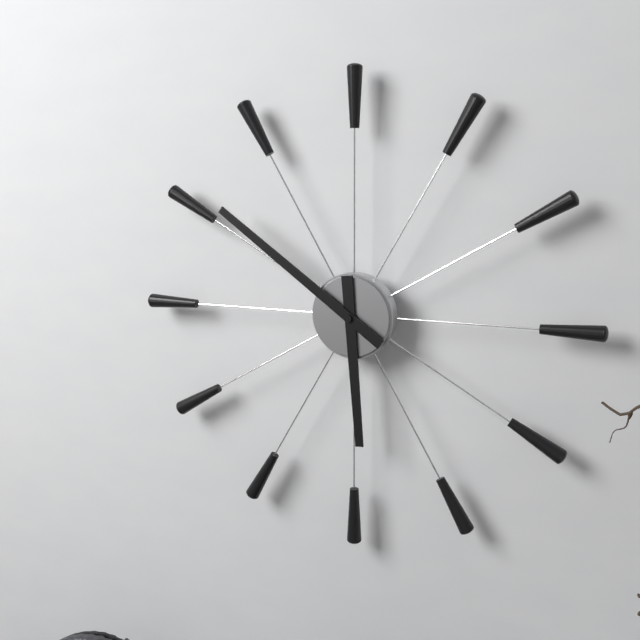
5:51
